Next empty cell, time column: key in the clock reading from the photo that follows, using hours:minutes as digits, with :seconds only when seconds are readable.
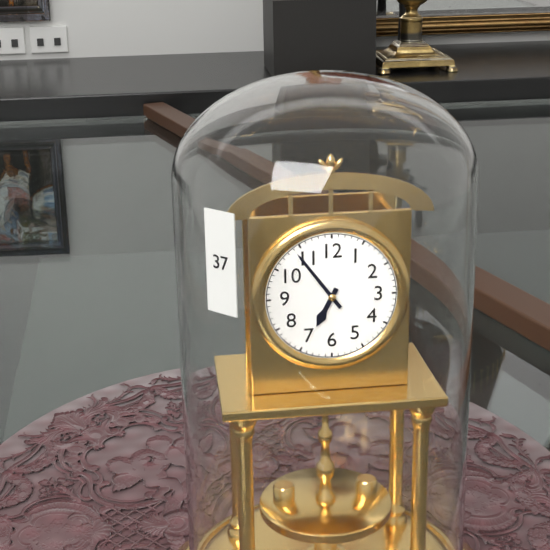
6:54
